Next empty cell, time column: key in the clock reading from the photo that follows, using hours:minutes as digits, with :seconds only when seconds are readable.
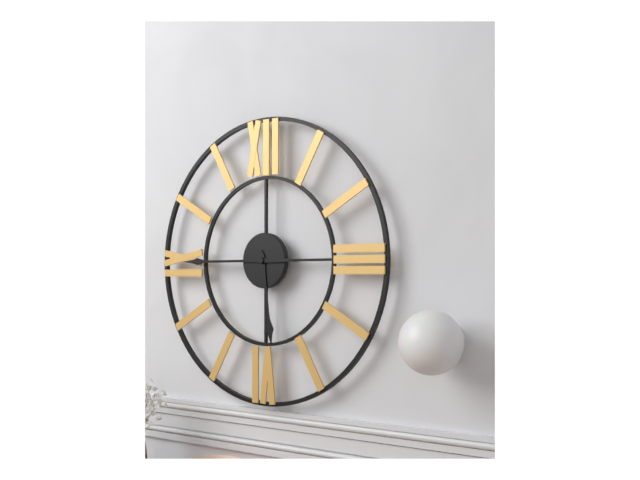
5:45
